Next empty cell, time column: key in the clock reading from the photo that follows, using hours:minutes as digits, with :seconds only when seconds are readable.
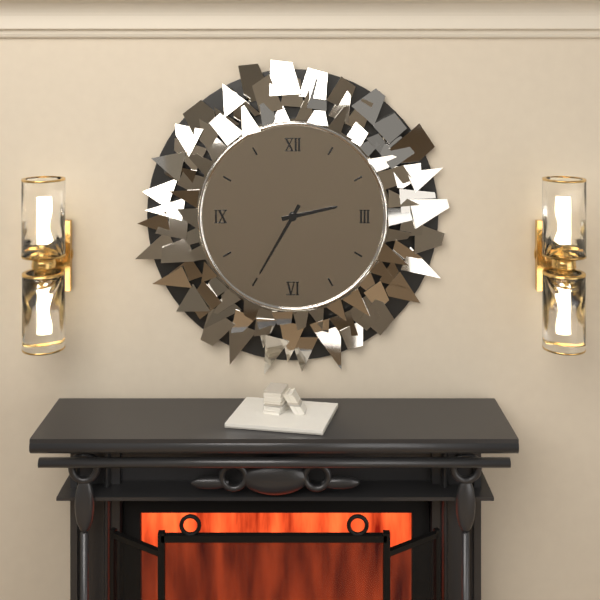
2:35
